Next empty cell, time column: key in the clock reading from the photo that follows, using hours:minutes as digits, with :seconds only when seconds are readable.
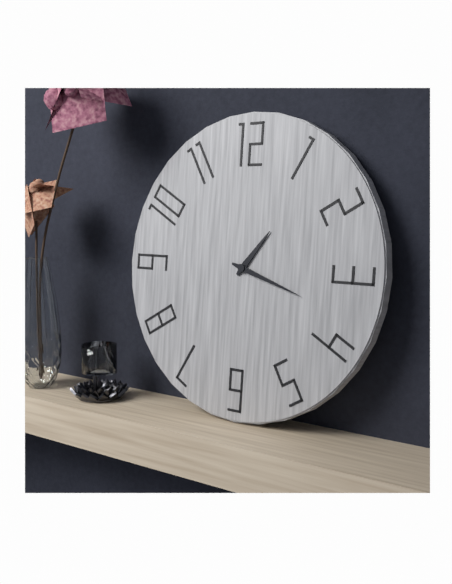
1:18
